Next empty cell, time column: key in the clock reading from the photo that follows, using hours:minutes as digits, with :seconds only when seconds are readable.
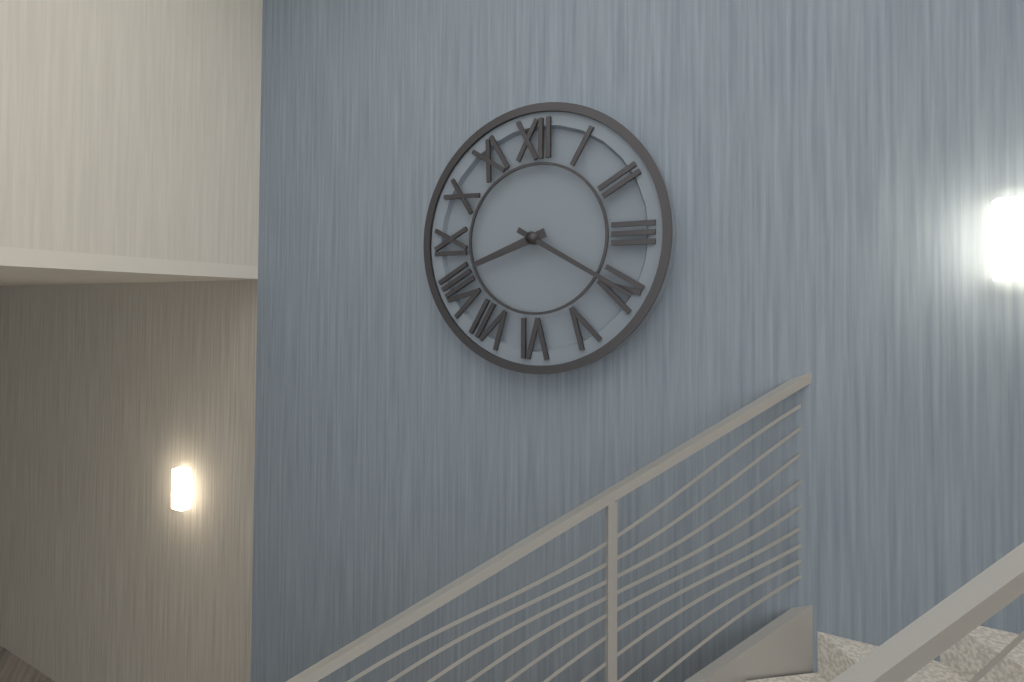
8:20
